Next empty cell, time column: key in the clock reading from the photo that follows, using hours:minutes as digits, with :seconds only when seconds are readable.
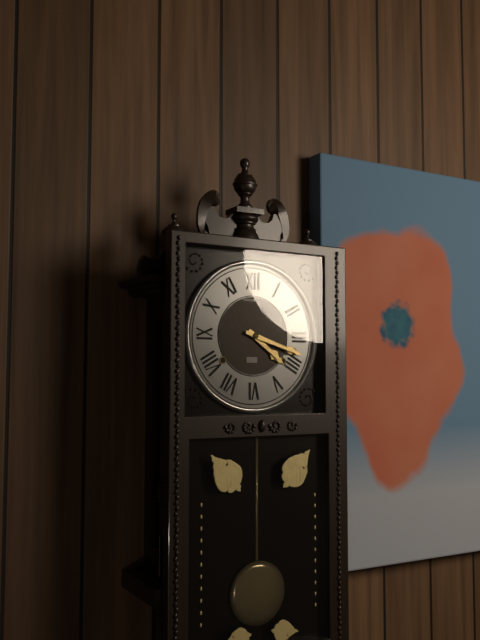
4:18
